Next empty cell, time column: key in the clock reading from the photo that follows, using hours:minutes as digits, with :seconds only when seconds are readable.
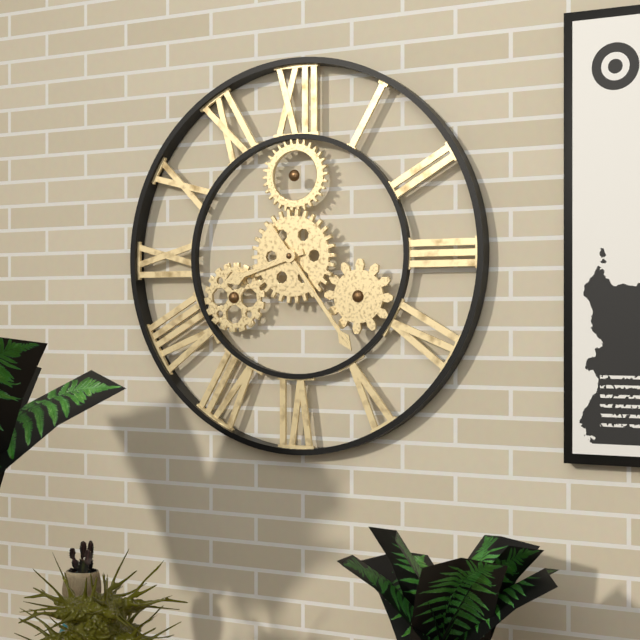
8:24
